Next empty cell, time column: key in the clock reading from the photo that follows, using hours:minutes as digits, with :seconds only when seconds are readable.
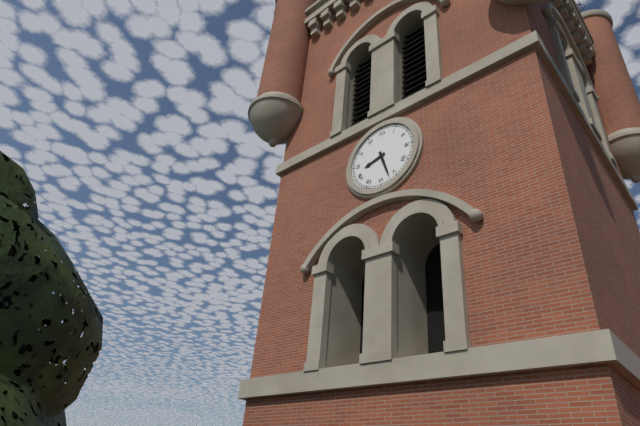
8:27
